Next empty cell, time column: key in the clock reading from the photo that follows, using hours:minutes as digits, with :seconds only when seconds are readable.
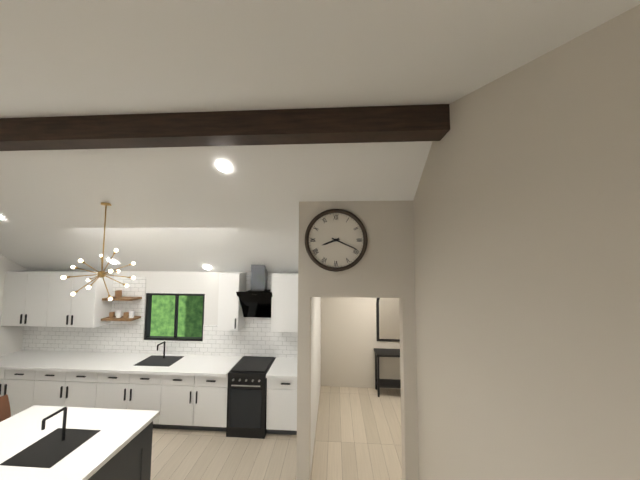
8:19
